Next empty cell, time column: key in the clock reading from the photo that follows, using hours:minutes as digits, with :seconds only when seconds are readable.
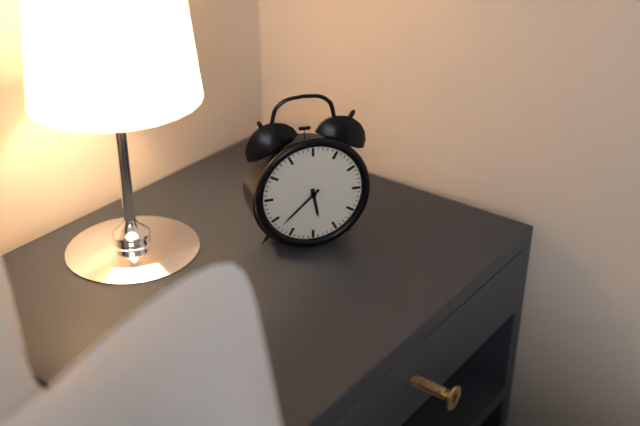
5:38
